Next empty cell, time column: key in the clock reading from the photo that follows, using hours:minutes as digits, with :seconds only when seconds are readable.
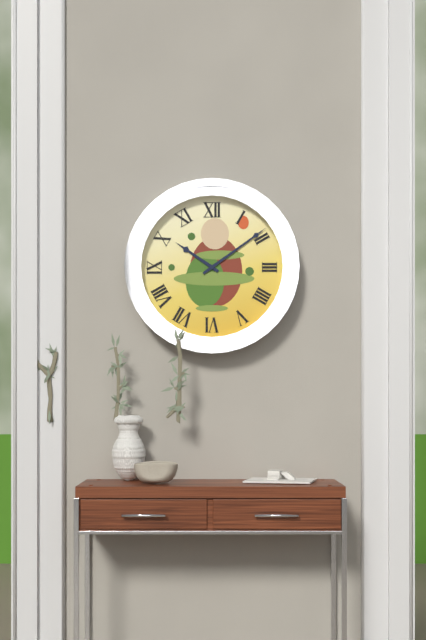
10:09
